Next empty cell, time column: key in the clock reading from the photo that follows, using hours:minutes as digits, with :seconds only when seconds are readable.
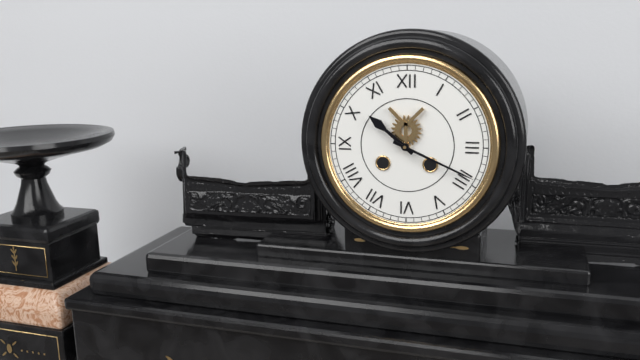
10:19
